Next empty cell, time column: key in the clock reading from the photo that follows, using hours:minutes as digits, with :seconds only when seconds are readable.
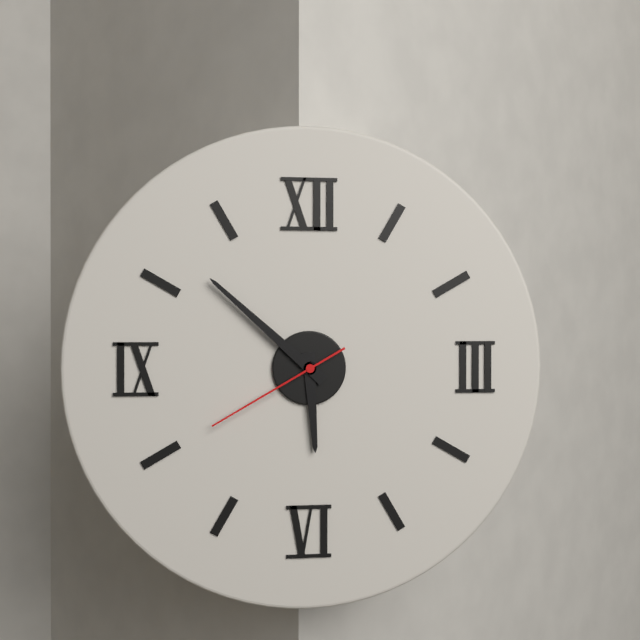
5:52:40
